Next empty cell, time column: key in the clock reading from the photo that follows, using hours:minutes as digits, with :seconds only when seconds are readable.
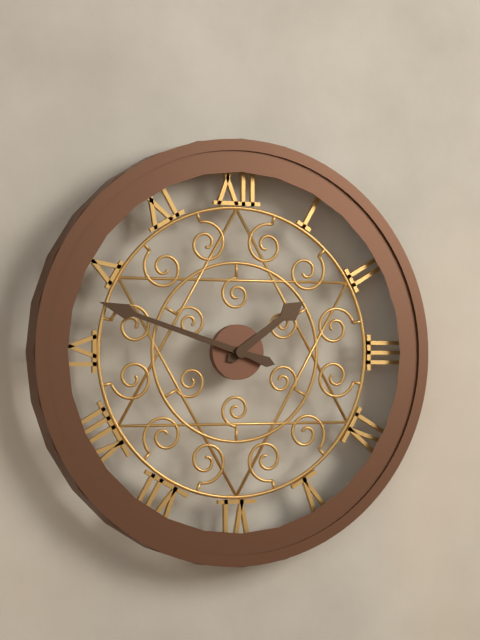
1:48
